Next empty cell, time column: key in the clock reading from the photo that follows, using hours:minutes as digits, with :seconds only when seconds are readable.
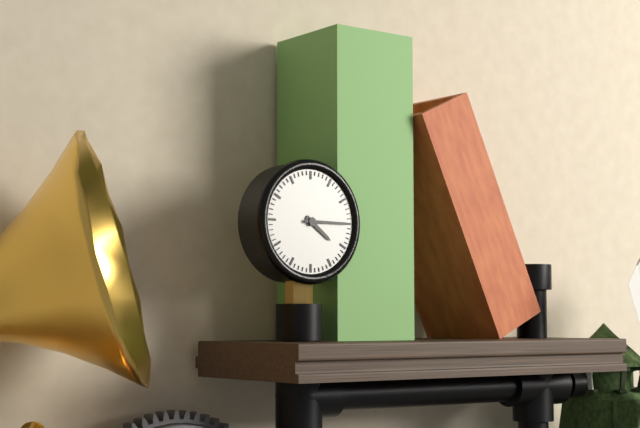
4:15
